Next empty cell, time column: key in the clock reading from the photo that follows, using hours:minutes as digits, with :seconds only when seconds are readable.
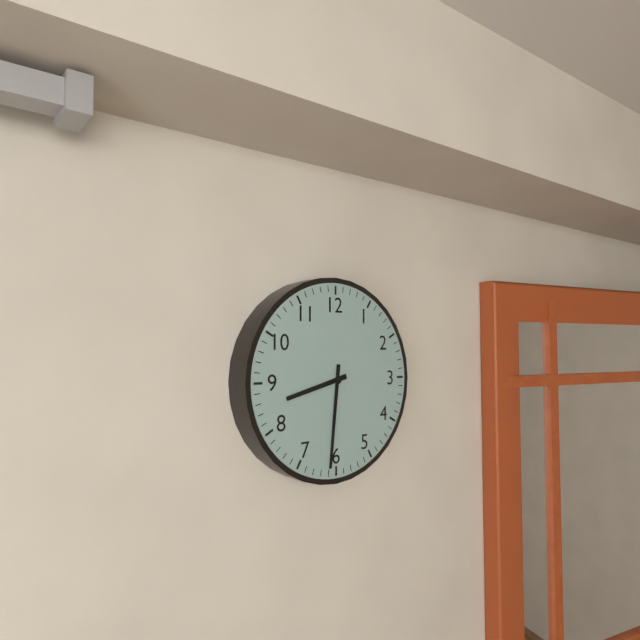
8:31
